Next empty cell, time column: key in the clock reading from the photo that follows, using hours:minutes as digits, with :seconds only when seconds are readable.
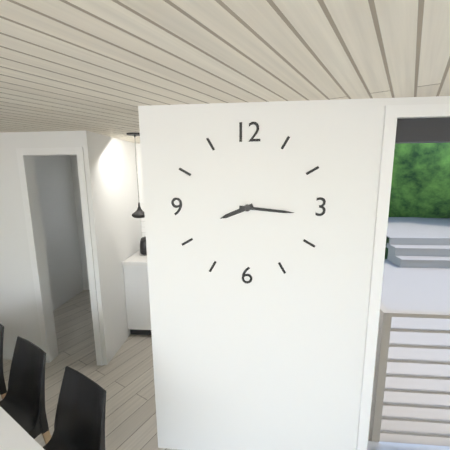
8:16
